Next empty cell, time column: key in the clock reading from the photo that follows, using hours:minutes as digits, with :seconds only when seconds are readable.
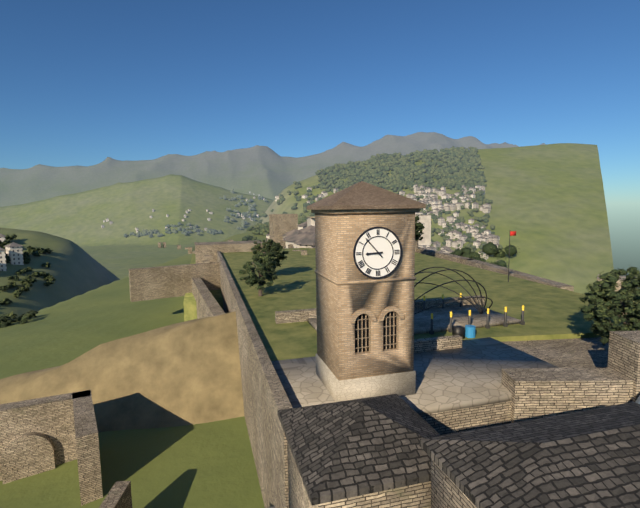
8:53
